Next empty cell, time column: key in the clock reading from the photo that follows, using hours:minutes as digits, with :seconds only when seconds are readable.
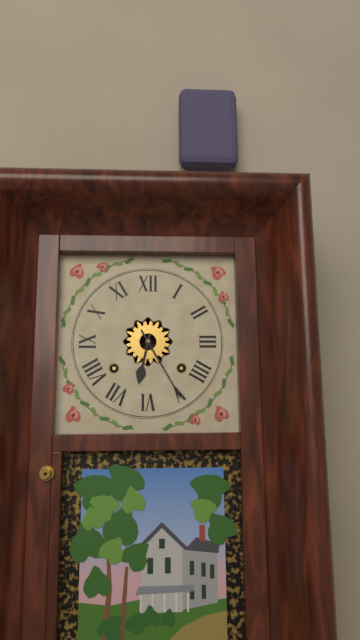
6:25
